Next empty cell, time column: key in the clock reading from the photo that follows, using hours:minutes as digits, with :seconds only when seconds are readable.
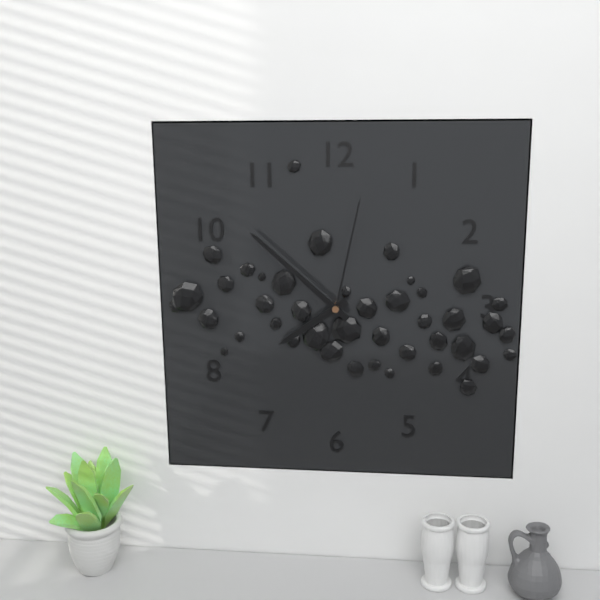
7:52:02
